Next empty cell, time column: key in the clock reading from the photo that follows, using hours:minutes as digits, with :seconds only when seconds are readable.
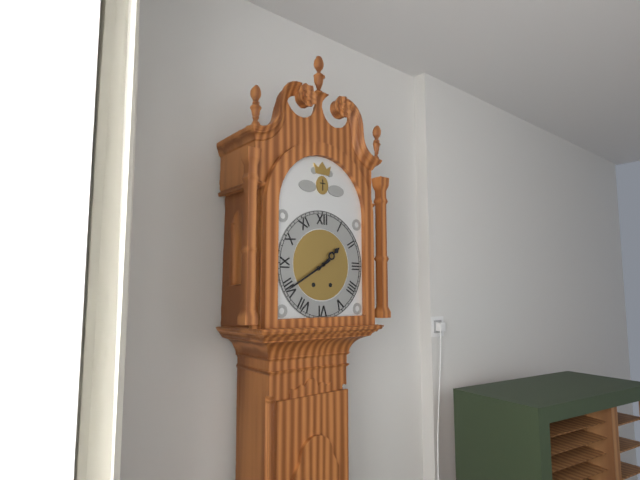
1:40
